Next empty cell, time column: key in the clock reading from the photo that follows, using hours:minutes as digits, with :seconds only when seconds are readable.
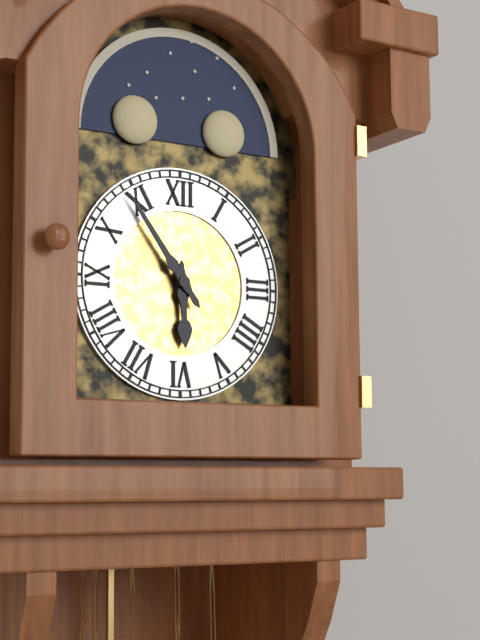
5:54
